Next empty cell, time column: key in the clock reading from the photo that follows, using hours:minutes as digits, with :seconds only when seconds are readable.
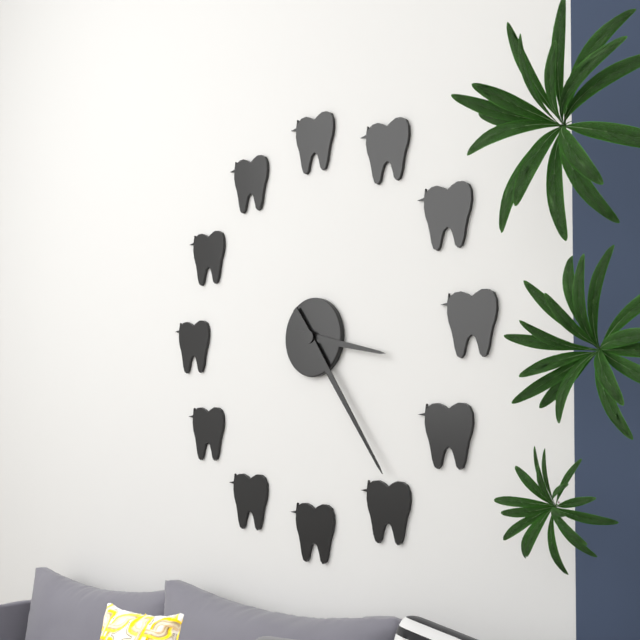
3:24
